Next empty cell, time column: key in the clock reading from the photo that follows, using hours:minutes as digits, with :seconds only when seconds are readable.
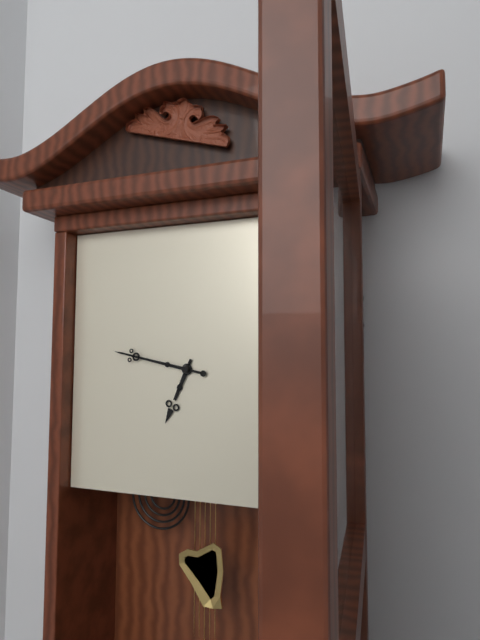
6:47
